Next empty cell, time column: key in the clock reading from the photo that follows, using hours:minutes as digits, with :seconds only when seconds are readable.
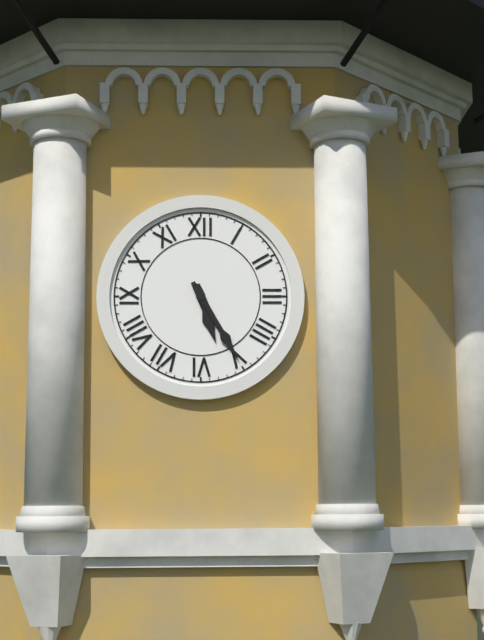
5:25
